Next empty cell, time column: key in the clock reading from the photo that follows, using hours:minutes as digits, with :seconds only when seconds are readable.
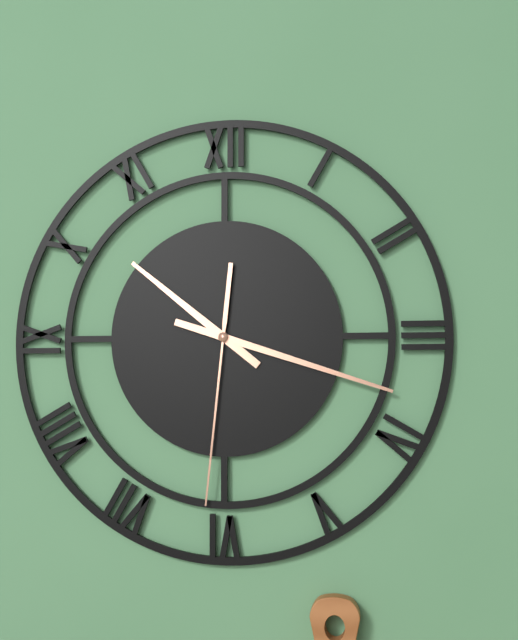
10:18:31
